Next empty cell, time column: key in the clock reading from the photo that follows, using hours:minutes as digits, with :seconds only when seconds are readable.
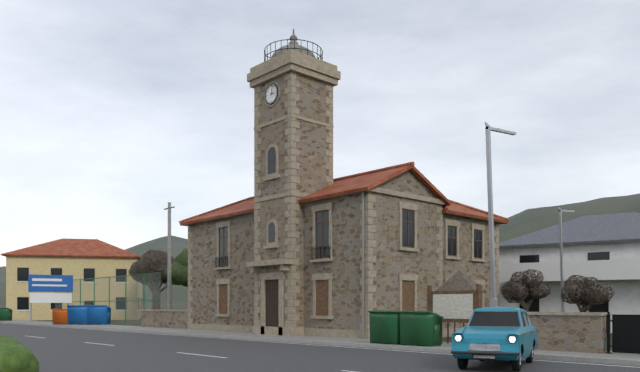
3:03
